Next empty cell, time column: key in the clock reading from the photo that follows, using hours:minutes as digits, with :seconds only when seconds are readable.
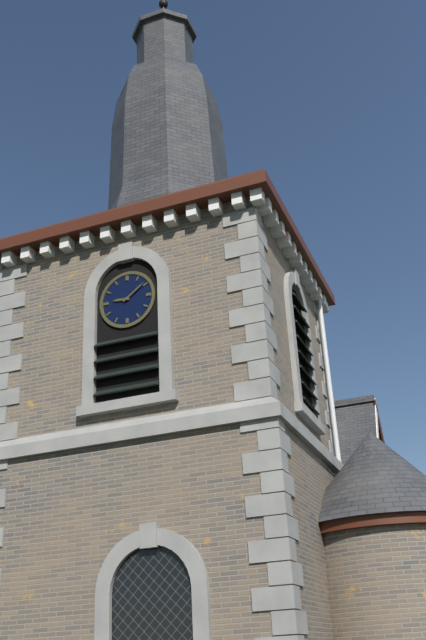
9:09
